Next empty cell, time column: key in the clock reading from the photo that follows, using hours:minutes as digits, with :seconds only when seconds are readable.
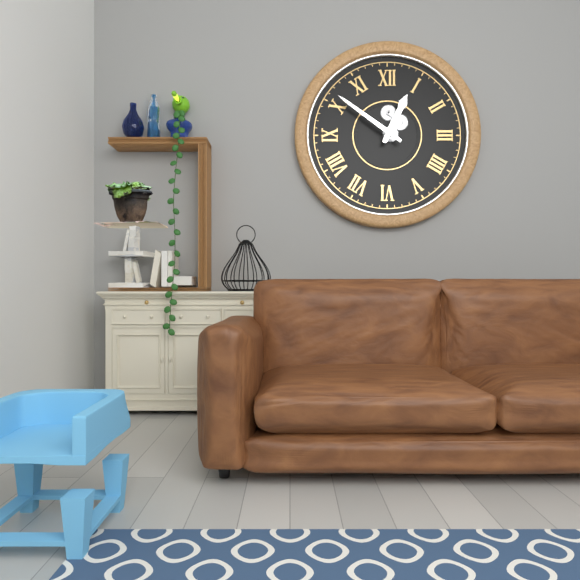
12:51
